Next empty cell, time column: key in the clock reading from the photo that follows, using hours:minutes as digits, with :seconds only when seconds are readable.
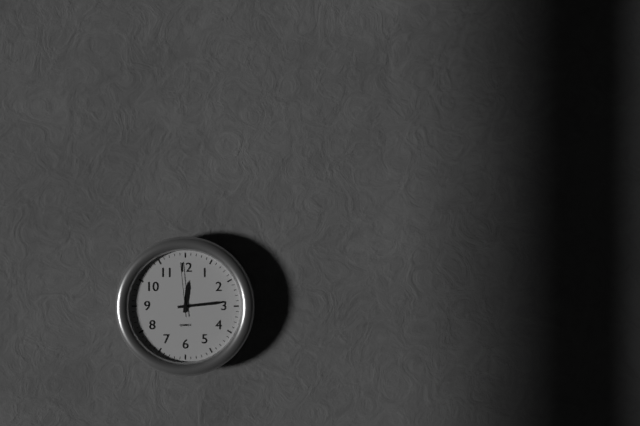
12:14:59
